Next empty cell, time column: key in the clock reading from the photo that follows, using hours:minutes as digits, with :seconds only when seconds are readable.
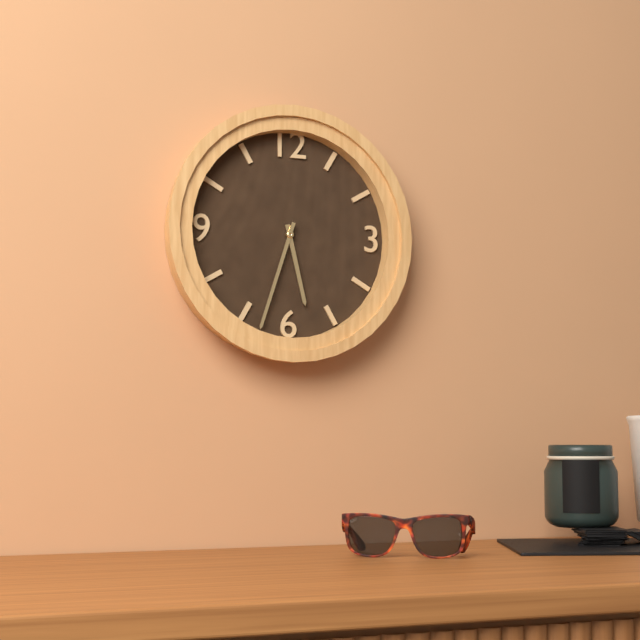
5:33
